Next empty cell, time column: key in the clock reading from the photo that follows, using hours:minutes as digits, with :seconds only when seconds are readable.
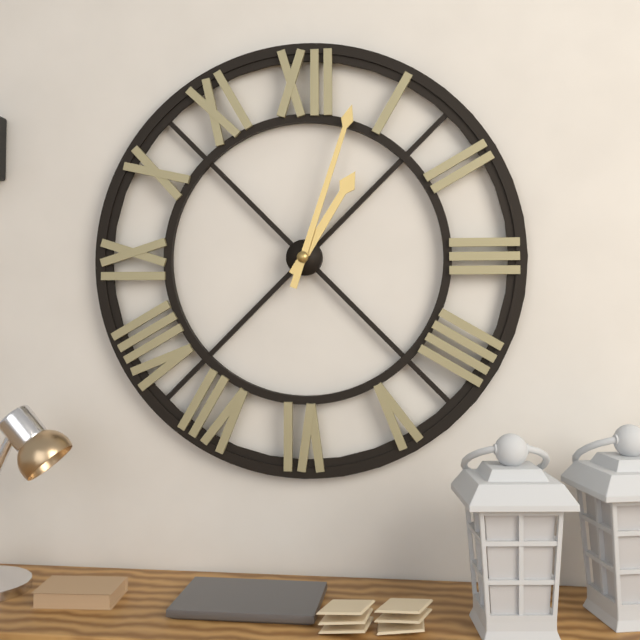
1:03
